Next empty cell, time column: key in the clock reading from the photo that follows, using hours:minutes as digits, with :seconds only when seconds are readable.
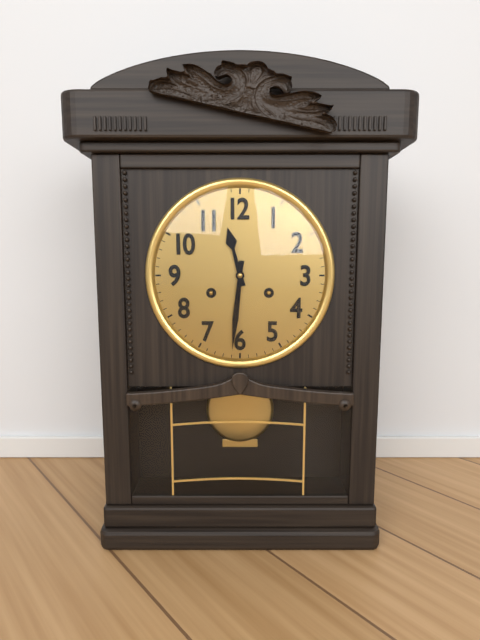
11:31
